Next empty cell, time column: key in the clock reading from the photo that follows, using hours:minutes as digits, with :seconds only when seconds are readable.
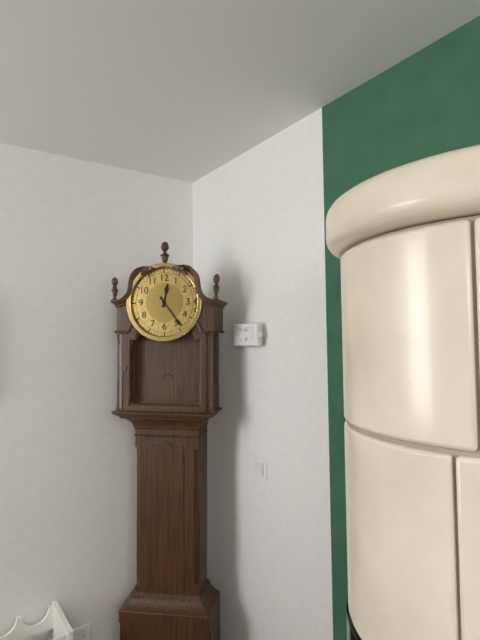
12:24
